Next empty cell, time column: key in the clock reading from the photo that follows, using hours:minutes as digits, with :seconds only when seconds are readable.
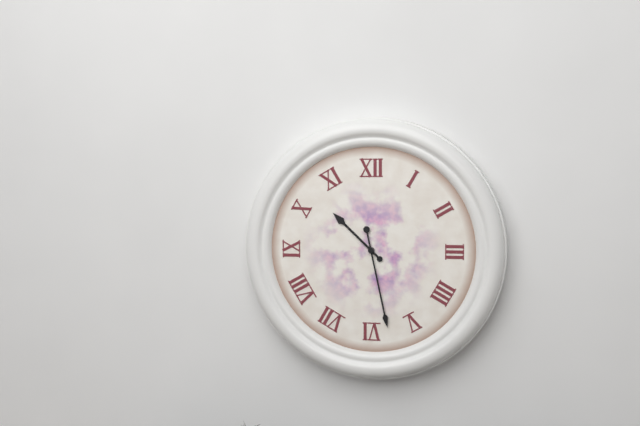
10:28
